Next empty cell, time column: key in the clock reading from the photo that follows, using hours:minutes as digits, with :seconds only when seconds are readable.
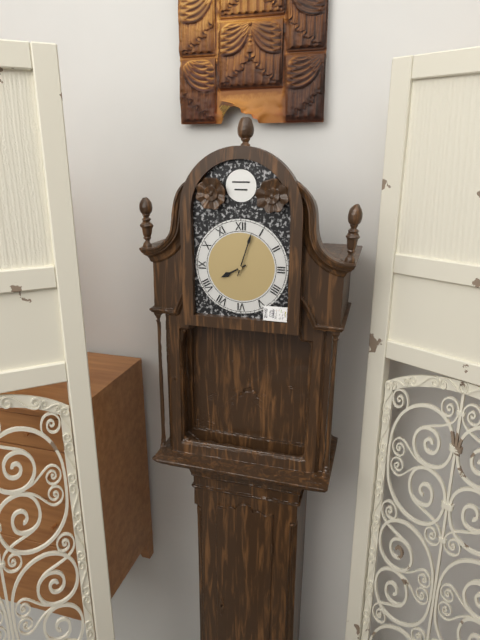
8:03
